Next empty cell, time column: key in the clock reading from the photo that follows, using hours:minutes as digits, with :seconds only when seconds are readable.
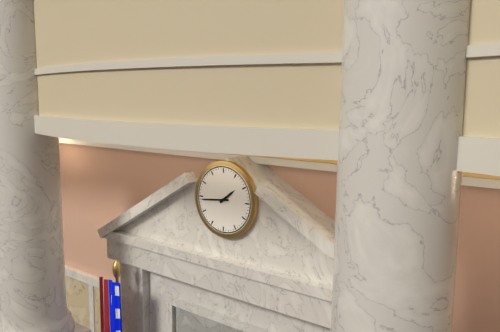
1:44
